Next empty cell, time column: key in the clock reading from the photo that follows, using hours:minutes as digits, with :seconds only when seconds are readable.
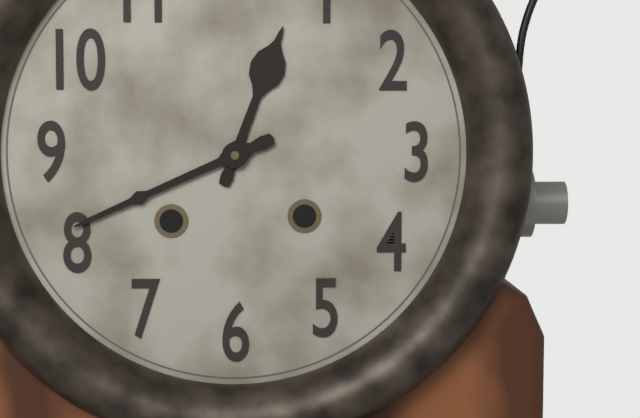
12:41
